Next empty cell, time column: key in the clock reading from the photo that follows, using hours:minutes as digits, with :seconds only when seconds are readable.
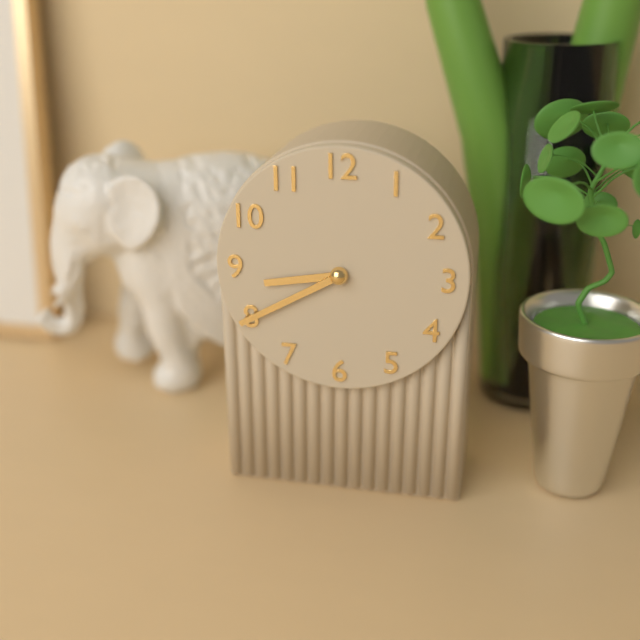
8:40
